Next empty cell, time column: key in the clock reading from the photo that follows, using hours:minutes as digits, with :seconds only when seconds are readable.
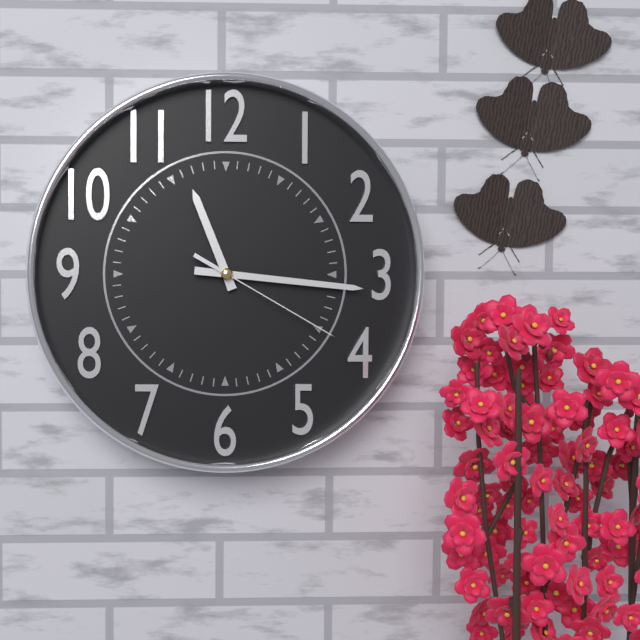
11:16:20
